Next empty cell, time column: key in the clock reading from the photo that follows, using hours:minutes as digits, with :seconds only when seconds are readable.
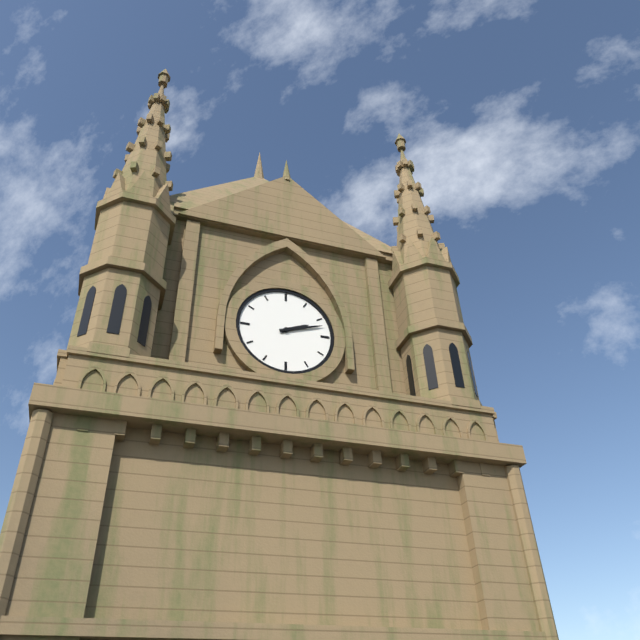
2:12
